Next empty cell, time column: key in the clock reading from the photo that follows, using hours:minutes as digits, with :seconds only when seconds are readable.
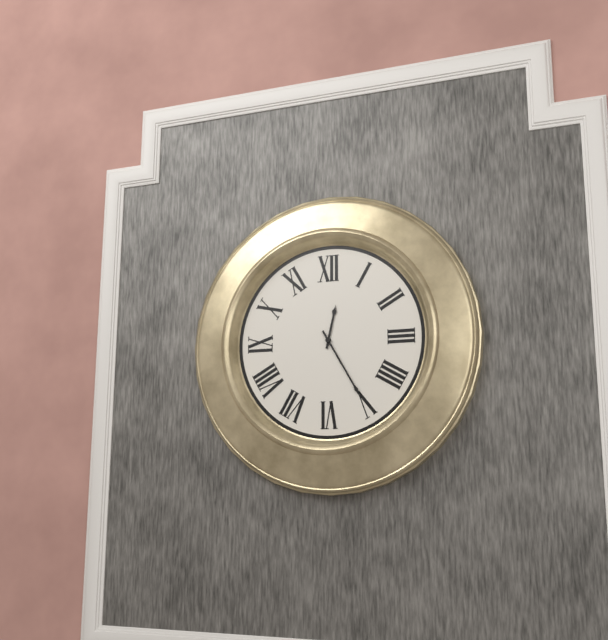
12:25
